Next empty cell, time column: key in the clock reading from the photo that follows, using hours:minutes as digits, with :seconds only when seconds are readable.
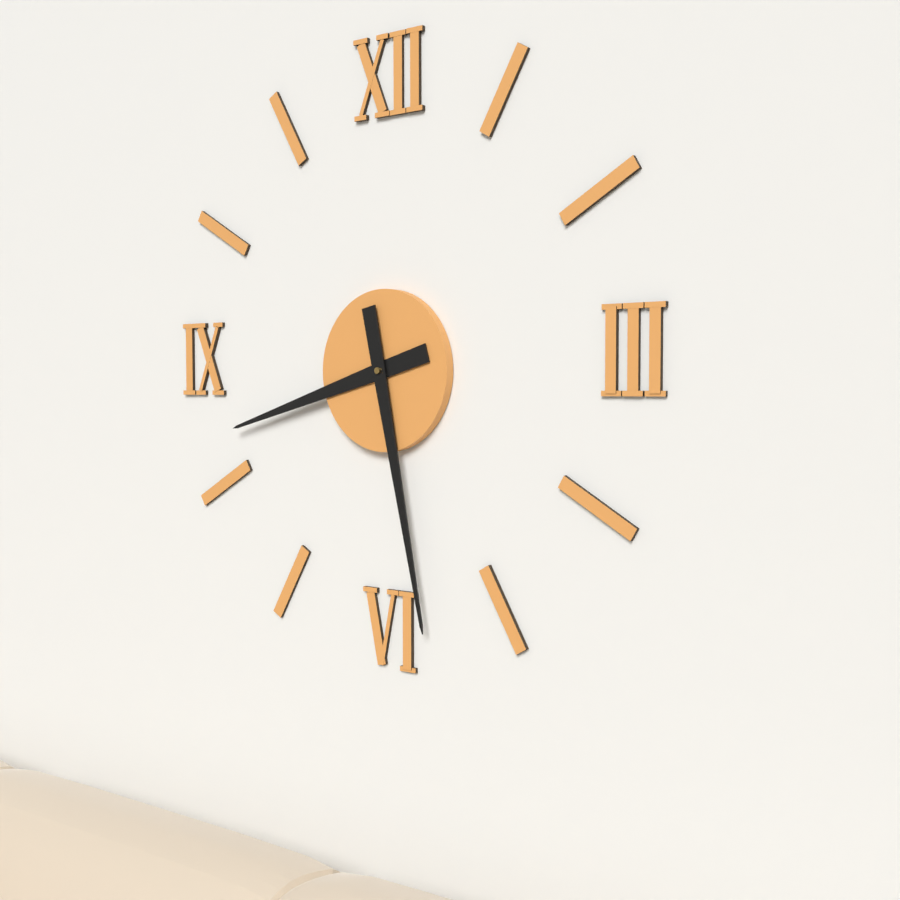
8:28
